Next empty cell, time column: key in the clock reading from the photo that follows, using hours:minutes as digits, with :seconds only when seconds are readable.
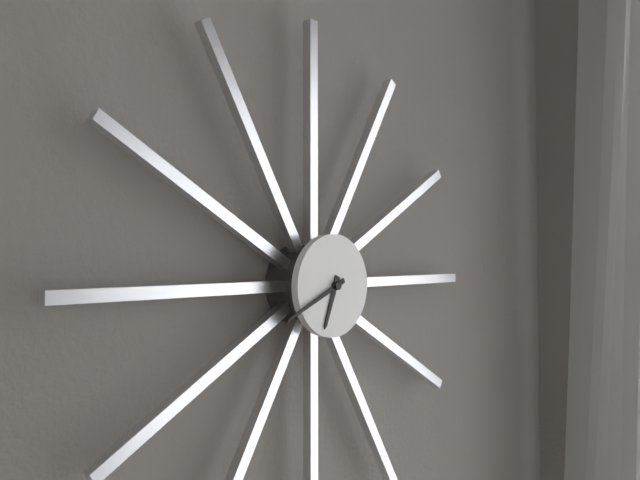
6:41
